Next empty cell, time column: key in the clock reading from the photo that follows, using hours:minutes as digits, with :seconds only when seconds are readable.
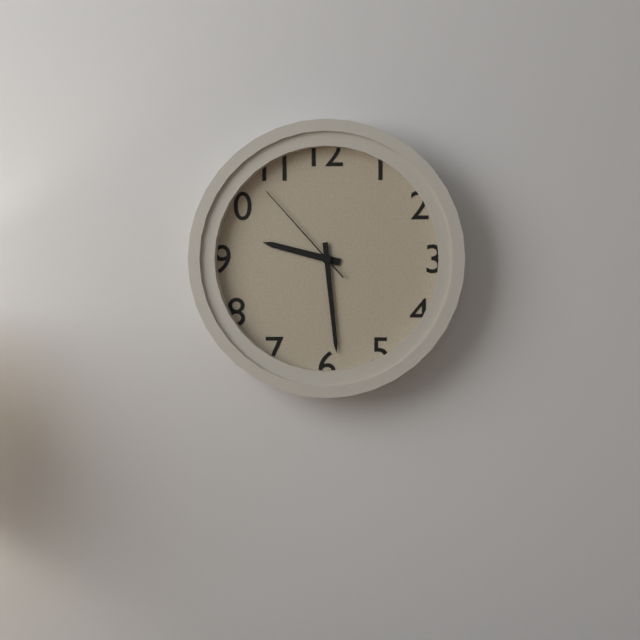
9:29:53
